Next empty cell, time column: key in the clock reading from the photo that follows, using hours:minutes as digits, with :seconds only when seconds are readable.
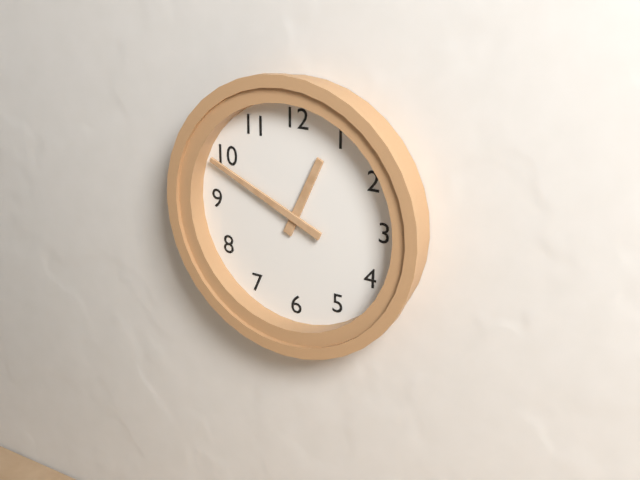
12:49
